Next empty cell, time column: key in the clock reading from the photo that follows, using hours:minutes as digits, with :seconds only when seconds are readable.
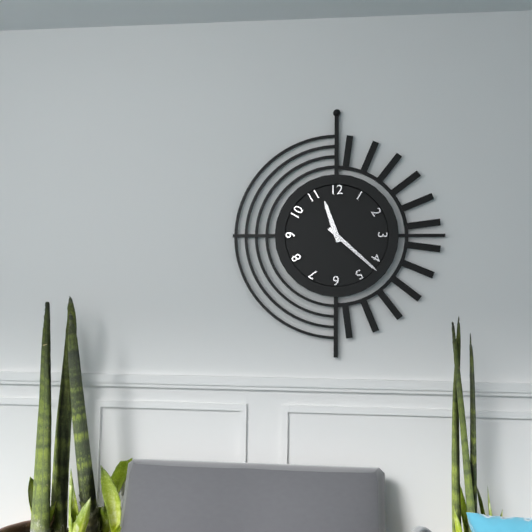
11:22
